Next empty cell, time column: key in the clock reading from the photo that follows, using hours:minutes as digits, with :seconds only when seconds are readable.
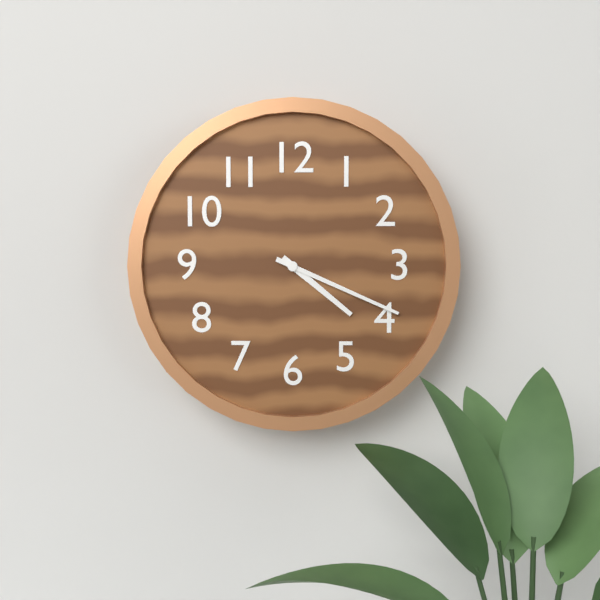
4:19
